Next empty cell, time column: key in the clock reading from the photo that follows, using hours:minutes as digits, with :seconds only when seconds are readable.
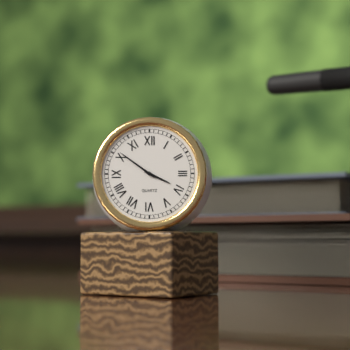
3:51
